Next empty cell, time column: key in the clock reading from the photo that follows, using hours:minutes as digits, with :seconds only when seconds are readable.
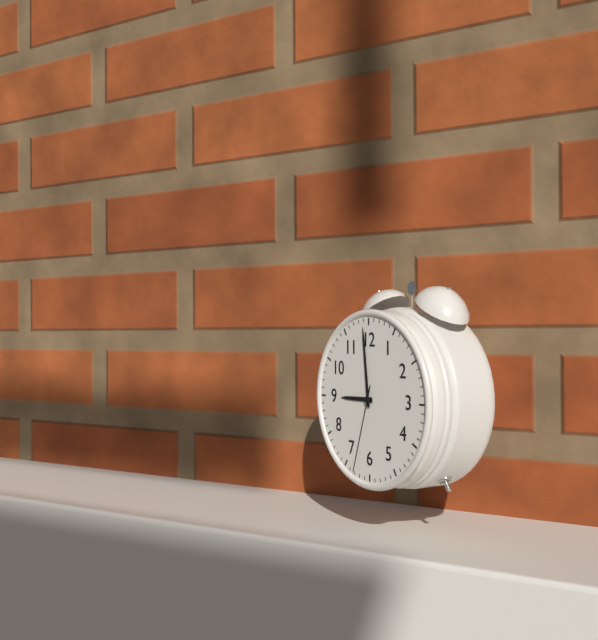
8:59:33
